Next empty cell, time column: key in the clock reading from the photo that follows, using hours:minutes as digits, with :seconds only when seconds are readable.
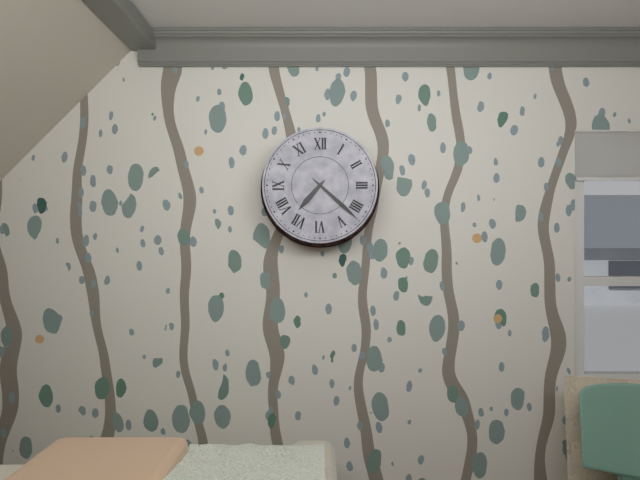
7:22
